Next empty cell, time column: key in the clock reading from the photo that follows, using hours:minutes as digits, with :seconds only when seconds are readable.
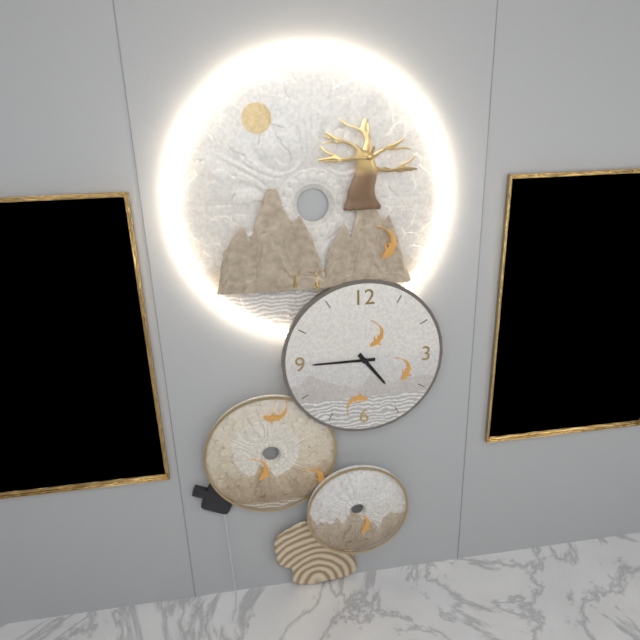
4:45
